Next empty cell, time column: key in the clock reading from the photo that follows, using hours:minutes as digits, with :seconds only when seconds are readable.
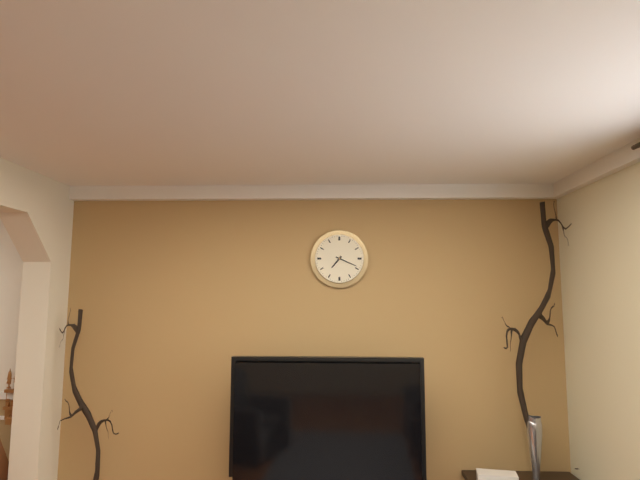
7:19
